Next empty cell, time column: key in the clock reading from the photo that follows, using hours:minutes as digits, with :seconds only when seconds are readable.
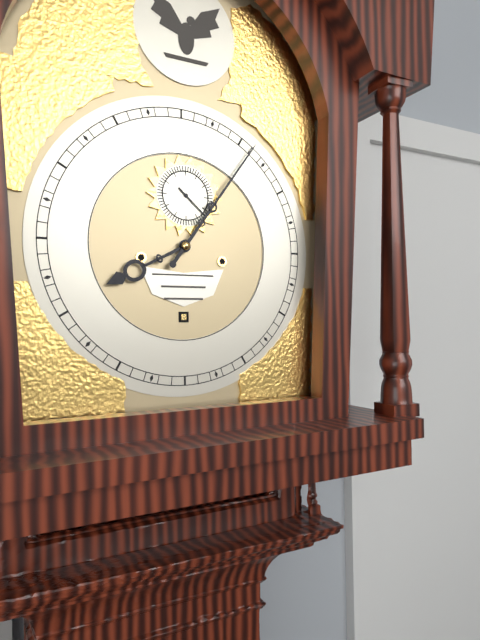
8:06
